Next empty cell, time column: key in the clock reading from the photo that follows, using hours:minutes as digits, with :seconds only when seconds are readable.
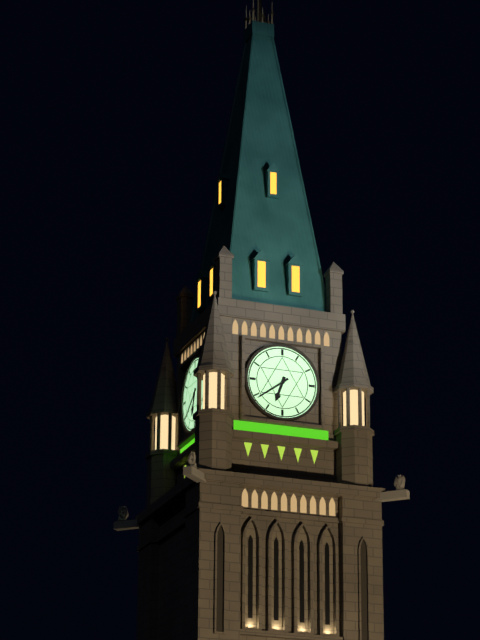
6:39
